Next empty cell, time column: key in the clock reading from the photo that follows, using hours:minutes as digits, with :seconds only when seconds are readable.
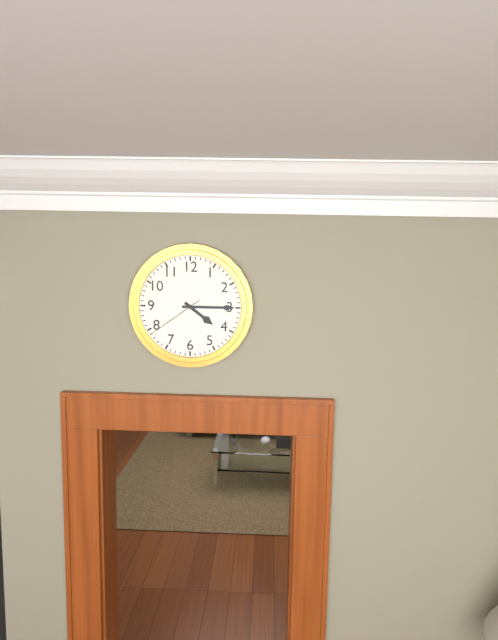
4:15:39
